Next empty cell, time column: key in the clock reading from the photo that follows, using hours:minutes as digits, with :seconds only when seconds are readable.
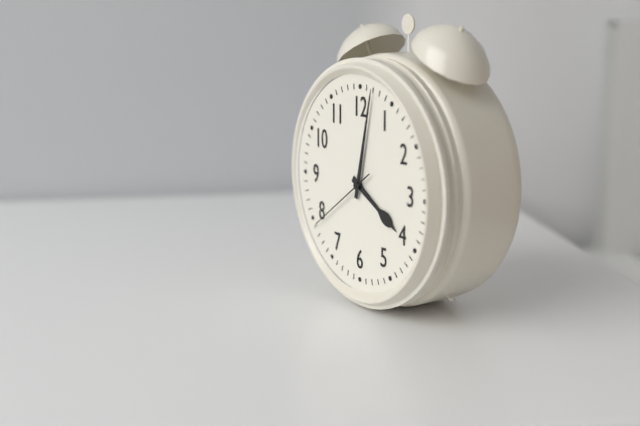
4:02:39
